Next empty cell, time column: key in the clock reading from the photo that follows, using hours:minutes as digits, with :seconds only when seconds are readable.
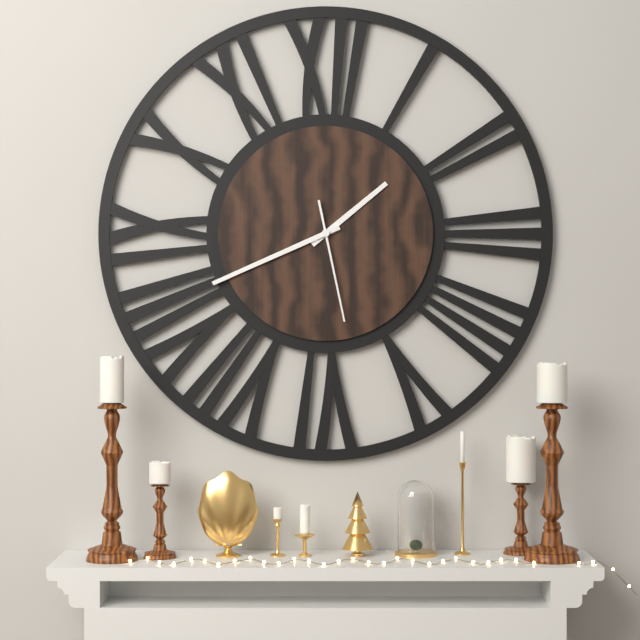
1:41:28
